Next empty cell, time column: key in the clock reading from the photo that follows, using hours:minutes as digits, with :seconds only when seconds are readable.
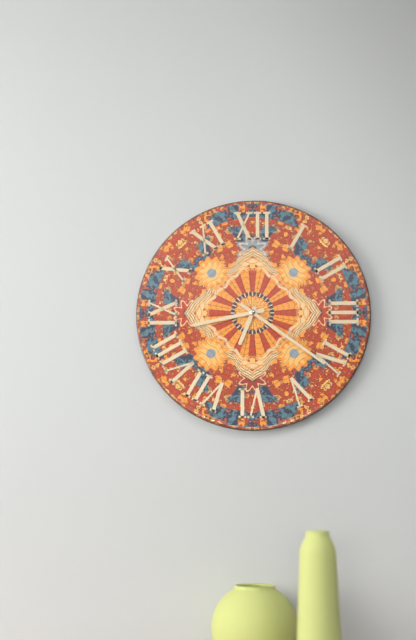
6:43:21
